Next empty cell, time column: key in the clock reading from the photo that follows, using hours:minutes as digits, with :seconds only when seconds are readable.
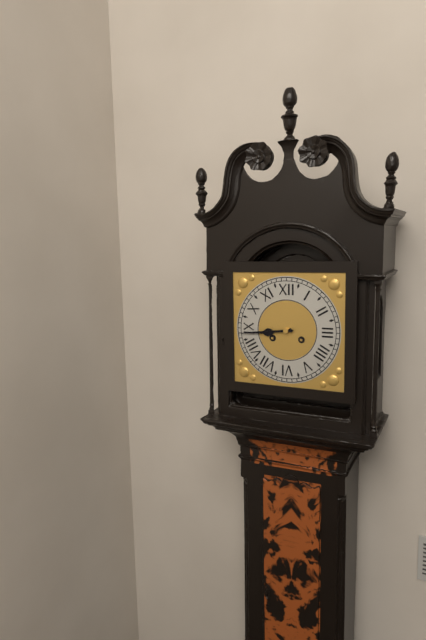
8:44
